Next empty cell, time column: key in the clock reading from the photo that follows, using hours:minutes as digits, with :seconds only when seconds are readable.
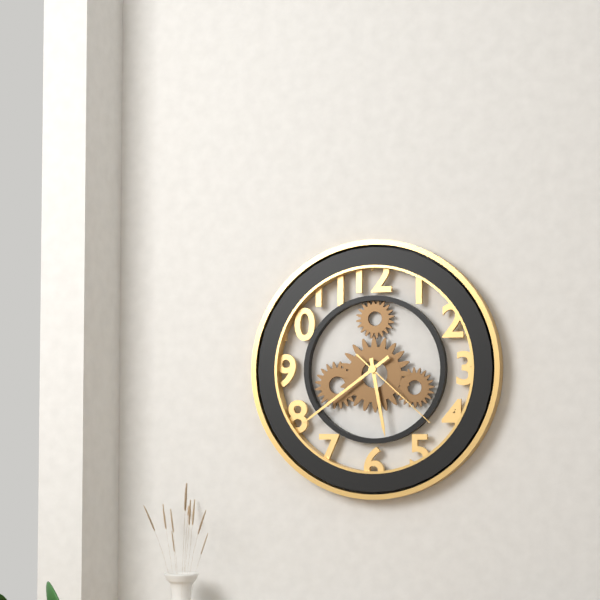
5:39:22
